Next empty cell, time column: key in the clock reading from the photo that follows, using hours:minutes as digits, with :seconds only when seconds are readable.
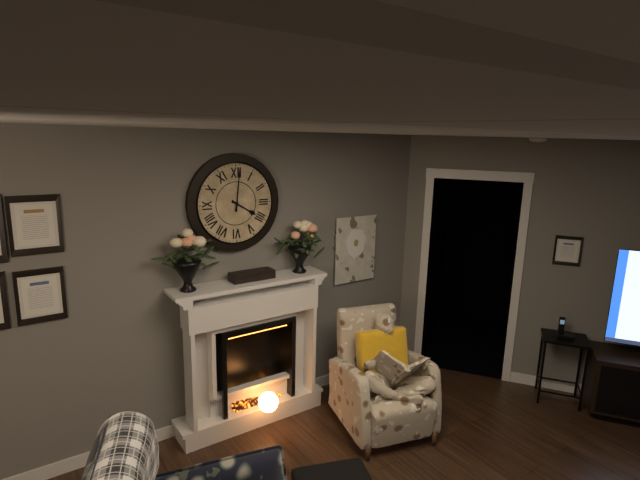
4:01
